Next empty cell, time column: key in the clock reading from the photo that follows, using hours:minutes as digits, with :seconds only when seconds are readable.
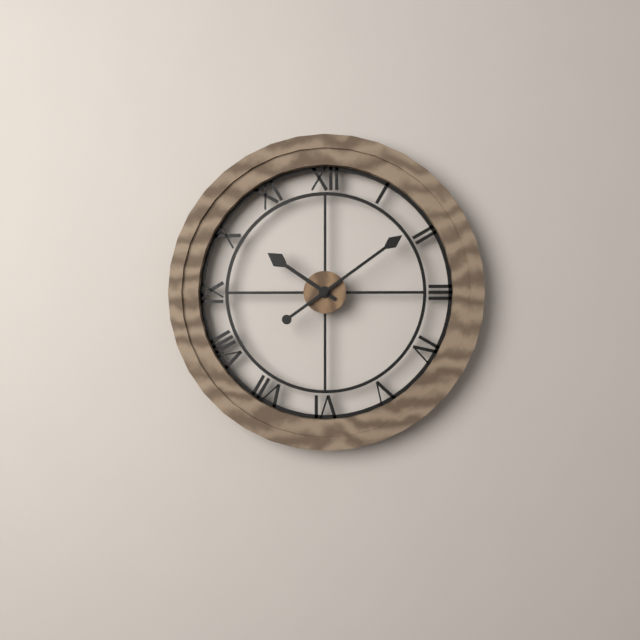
10:09
